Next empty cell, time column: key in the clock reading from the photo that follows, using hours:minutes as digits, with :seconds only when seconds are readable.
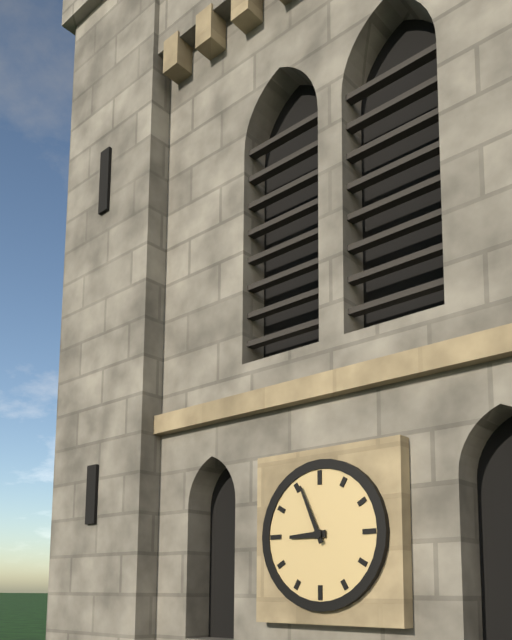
8:56
